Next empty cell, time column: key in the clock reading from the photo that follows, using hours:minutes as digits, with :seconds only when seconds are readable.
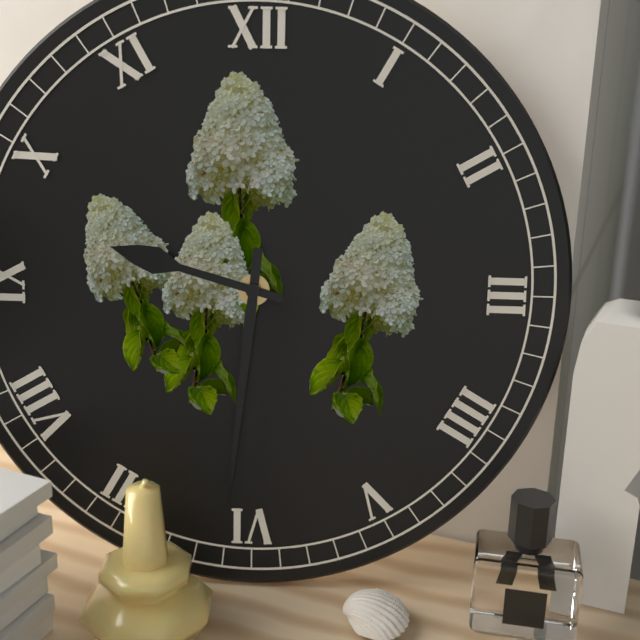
9:31
